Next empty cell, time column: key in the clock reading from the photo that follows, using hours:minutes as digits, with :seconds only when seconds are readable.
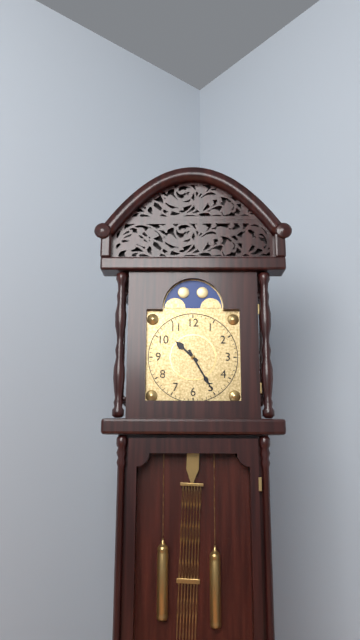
10:25
